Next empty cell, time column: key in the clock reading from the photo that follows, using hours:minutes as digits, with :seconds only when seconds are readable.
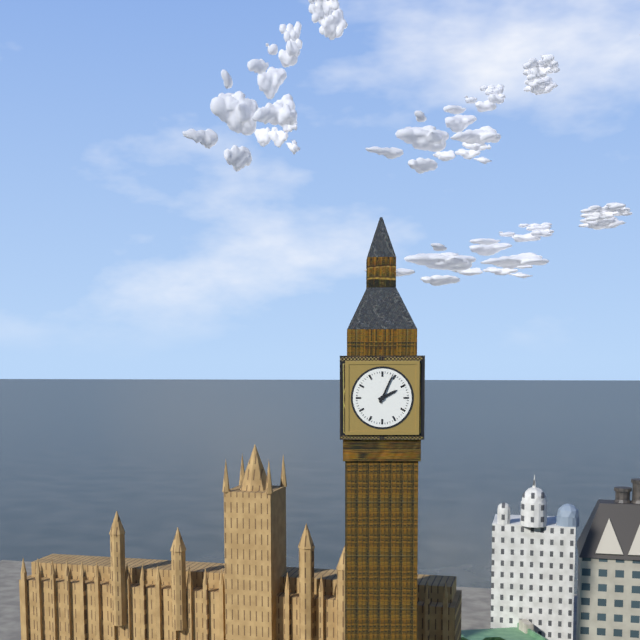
2:04
